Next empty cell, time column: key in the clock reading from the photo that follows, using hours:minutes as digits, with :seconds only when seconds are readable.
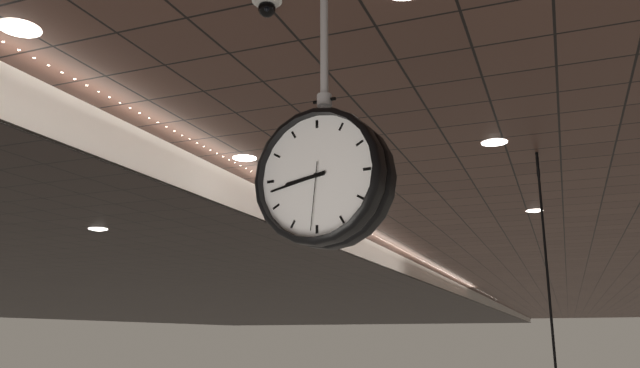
8:43:31
